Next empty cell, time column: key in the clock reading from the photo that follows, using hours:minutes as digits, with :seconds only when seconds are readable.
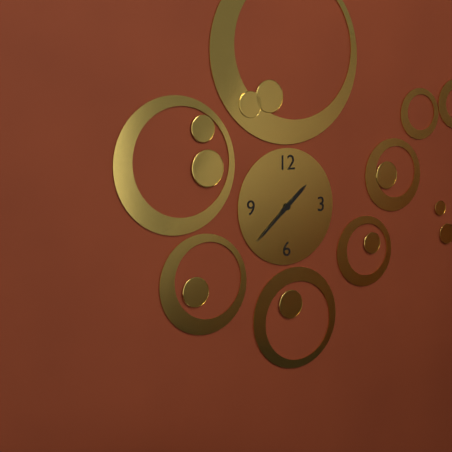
1:38
